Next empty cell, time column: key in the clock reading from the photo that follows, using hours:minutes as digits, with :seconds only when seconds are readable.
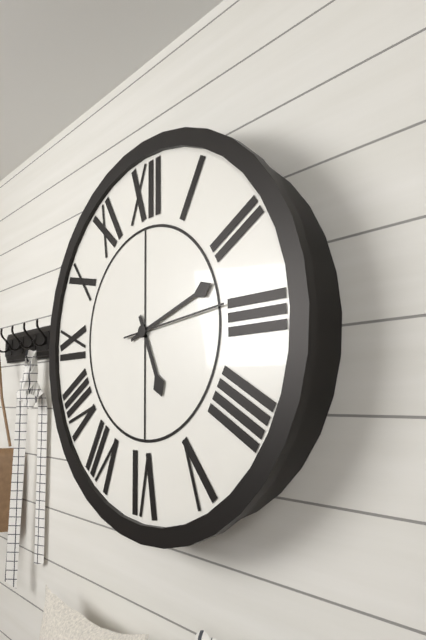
5:12:14
